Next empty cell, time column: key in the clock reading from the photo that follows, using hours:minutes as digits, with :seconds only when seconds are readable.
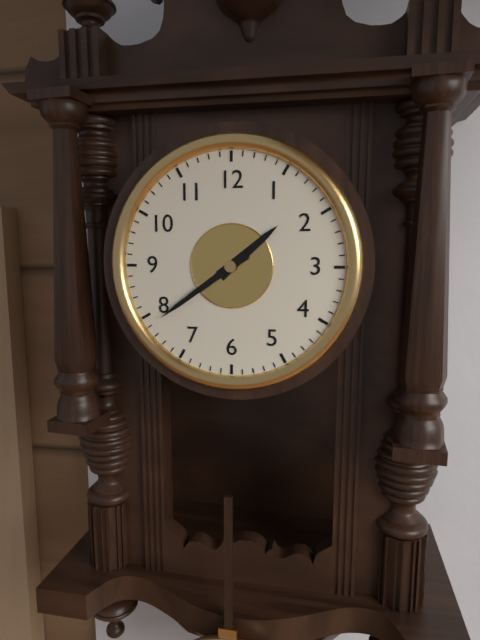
1:39
